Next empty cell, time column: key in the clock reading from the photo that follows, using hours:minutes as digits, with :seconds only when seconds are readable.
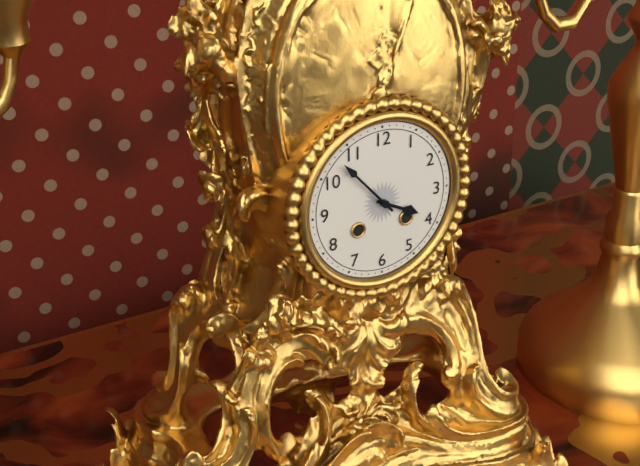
3:53
